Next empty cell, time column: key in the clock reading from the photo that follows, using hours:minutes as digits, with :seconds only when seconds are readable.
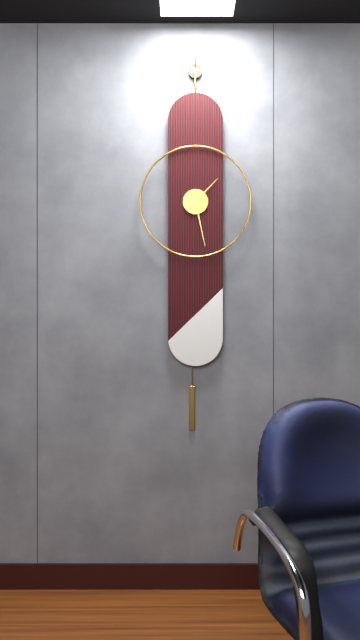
1:28
